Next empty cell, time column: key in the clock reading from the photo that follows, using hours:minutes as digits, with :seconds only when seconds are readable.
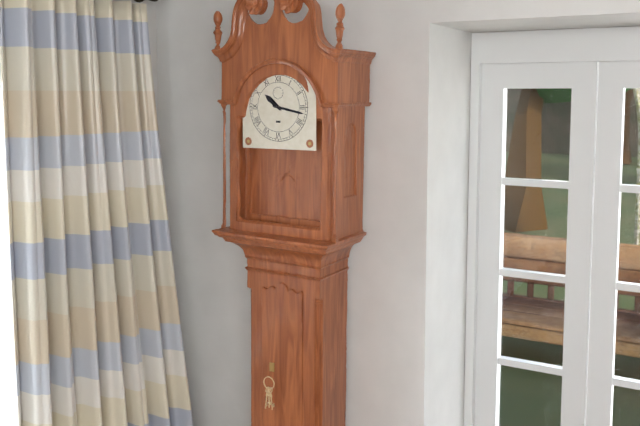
10:17
